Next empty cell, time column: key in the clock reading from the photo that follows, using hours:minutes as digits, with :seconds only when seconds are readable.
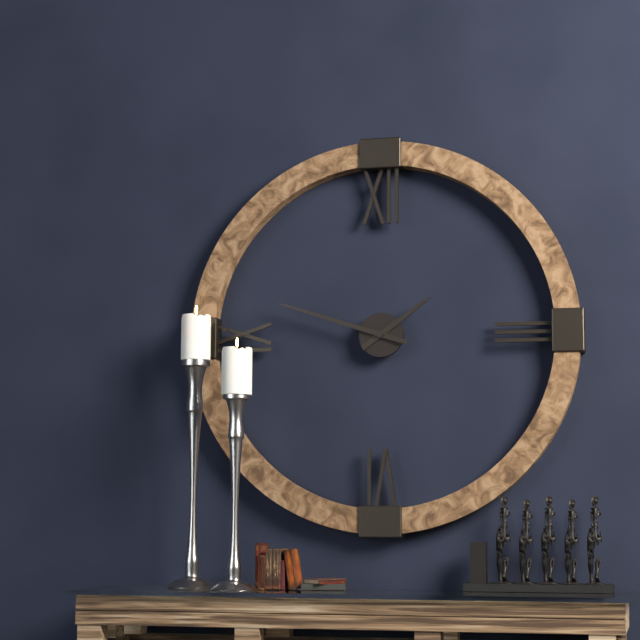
1:48
